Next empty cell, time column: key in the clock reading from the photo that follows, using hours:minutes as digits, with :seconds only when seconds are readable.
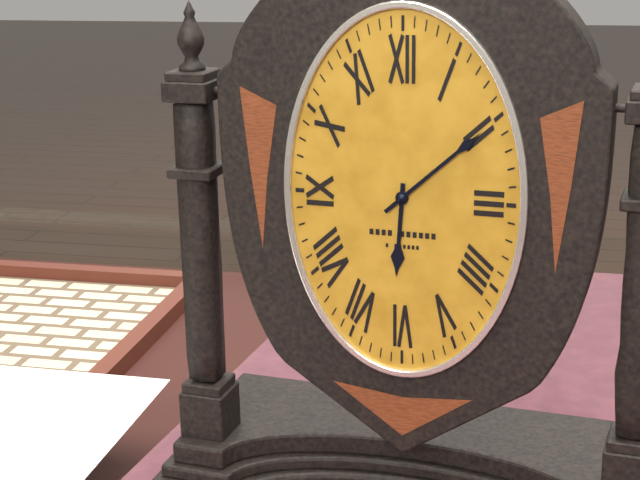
6:08
